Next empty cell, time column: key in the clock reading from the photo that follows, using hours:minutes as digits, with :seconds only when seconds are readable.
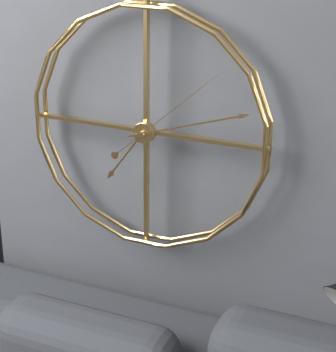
7:12:08
